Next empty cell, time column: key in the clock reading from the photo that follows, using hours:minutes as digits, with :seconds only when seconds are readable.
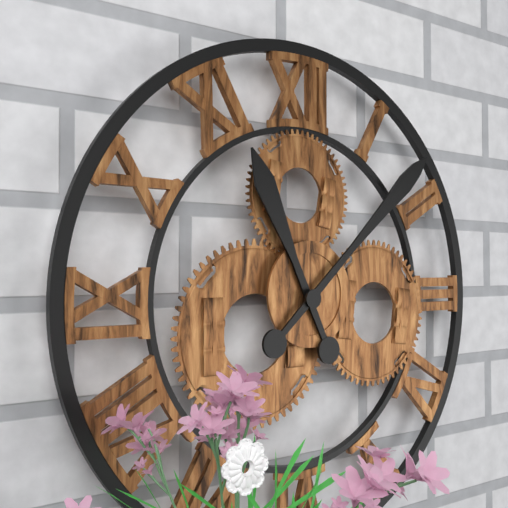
11:08
